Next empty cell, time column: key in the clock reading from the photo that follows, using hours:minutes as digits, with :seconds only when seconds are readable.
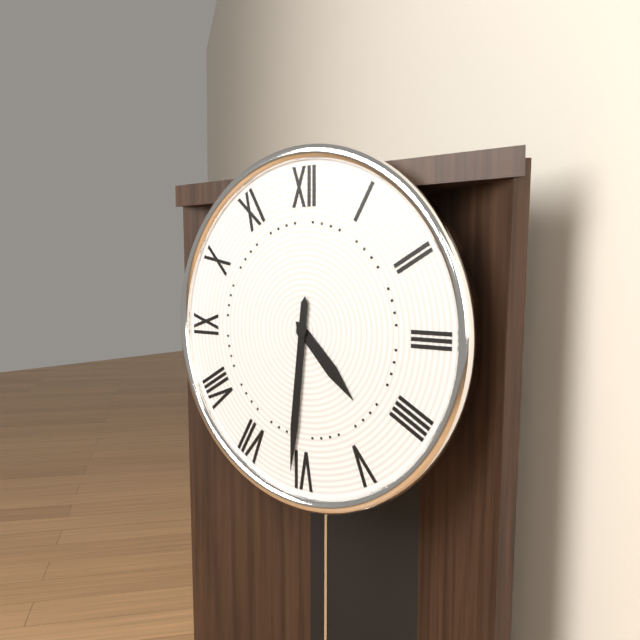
4:31
